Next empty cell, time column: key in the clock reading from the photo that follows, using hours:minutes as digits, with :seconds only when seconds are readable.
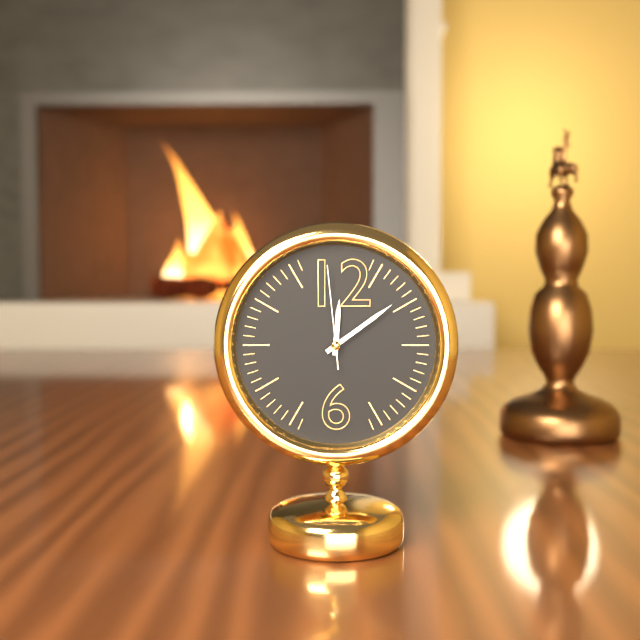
12:09:59
